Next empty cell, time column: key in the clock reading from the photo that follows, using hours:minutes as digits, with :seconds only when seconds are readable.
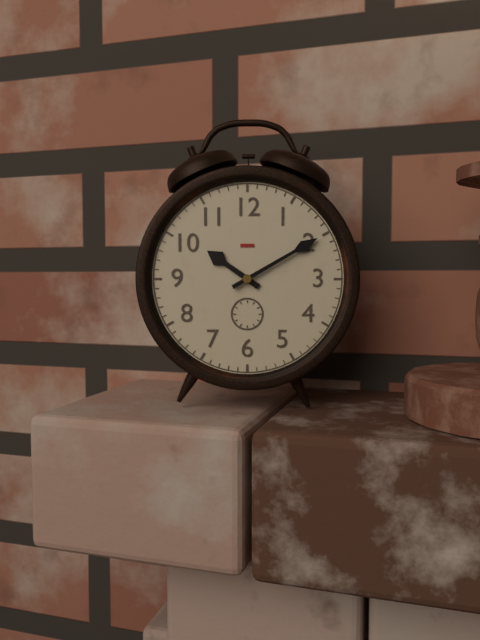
10:10
